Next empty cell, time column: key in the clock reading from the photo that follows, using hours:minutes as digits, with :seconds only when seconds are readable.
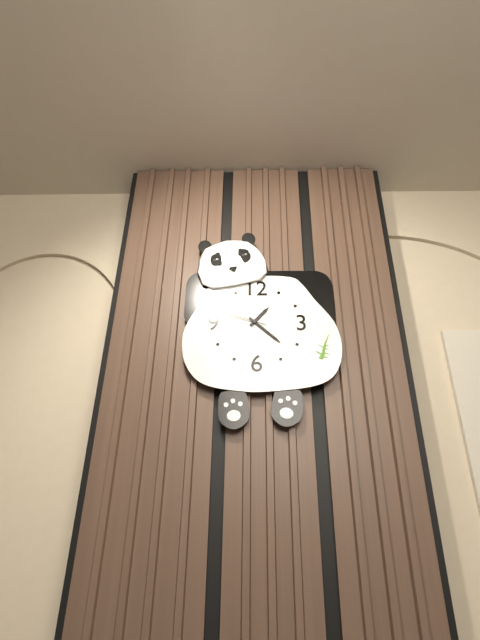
1:22:48
